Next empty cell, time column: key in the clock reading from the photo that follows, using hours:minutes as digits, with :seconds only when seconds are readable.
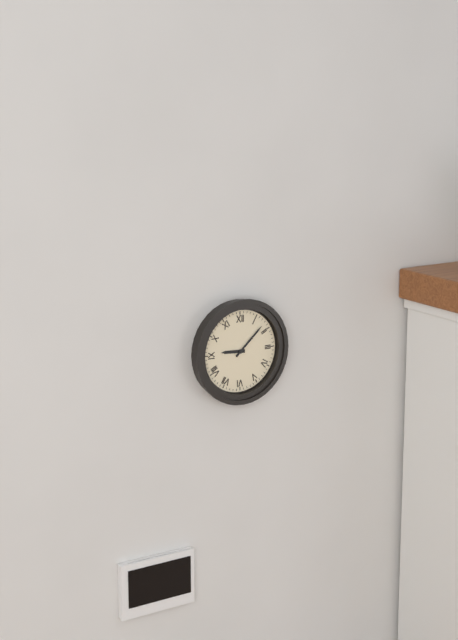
9:08
